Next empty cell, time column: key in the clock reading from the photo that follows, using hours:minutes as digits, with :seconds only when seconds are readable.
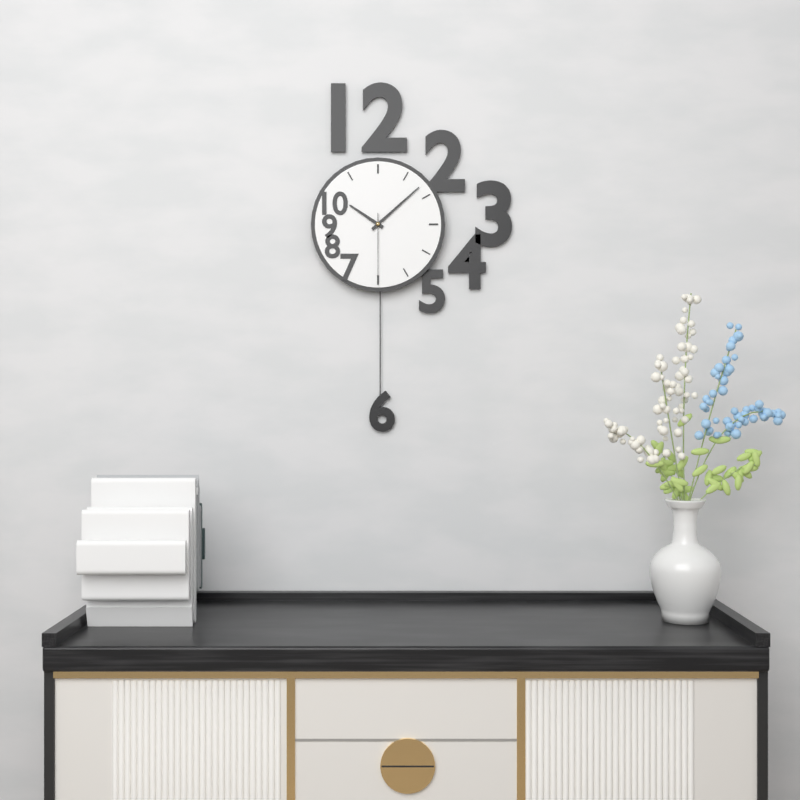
10:08:30
